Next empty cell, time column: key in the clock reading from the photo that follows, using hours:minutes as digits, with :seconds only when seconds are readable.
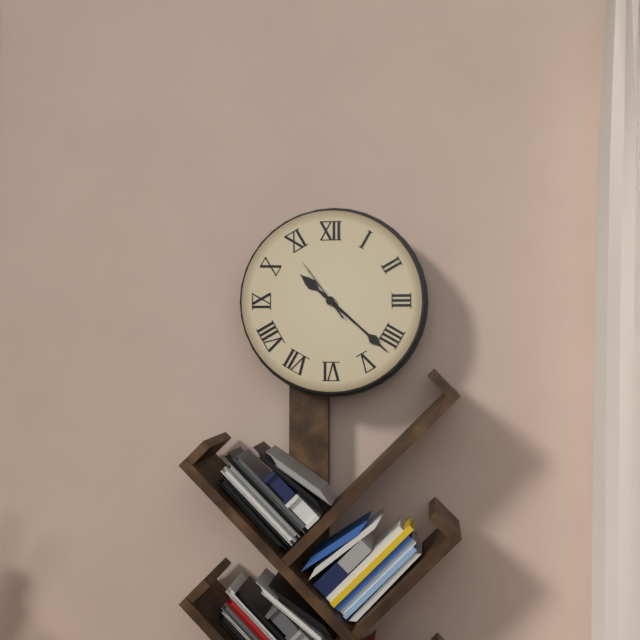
10:22:54
